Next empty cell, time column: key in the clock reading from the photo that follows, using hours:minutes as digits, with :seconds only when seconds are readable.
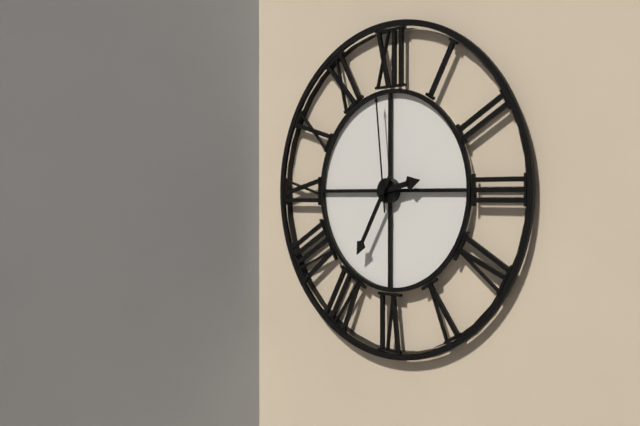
2:35:59
